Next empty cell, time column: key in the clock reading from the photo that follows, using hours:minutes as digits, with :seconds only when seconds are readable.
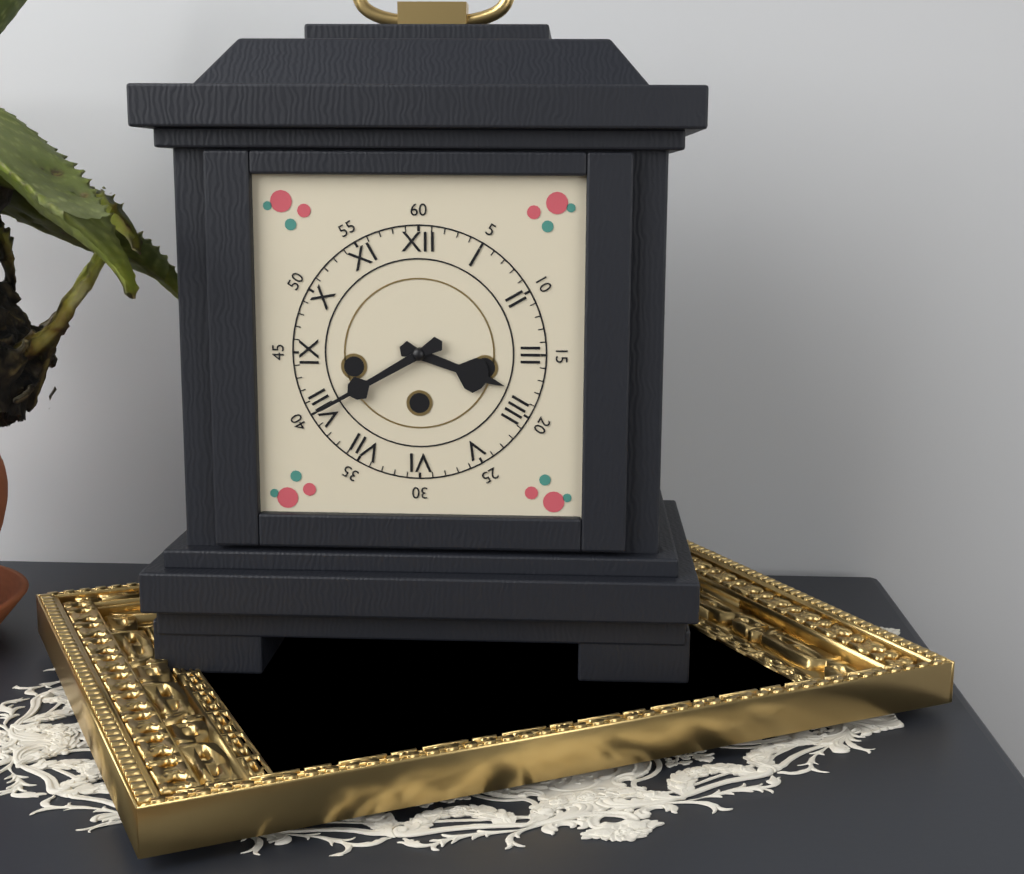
3:40
